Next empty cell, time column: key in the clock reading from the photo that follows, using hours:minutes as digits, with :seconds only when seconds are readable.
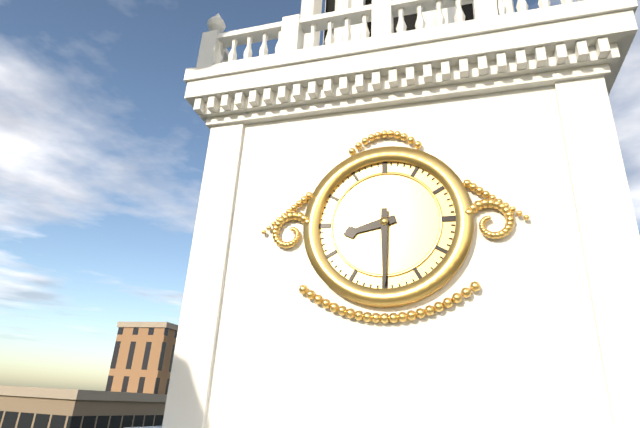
8:30
